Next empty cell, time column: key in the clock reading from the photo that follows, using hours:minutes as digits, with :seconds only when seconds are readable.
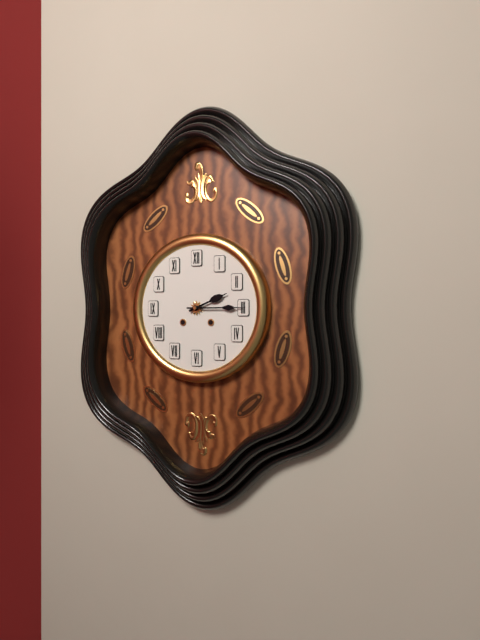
2:15
